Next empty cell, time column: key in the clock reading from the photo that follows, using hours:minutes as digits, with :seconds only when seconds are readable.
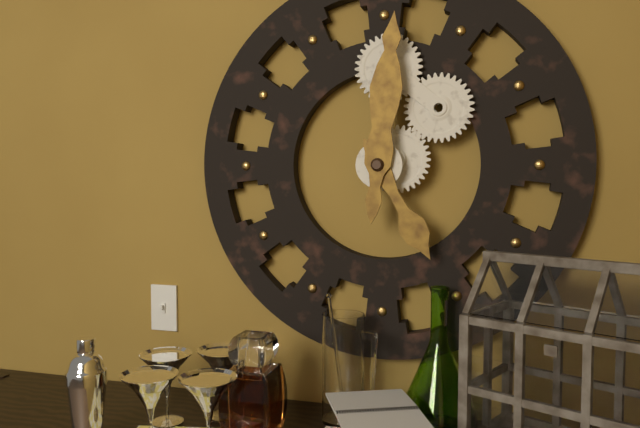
5:01
